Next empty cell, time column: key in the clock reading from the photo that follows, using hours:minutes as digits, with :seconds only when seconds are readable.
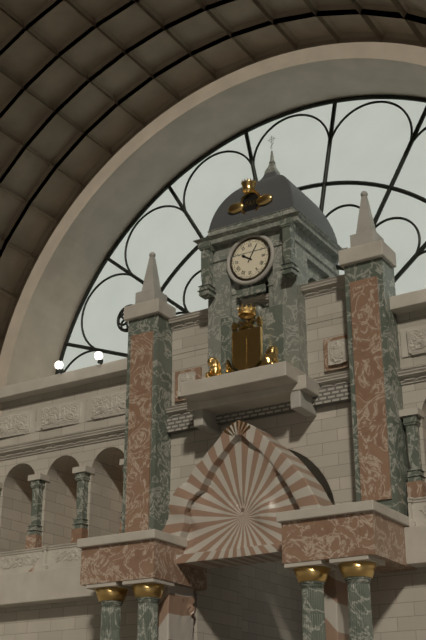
10:05
